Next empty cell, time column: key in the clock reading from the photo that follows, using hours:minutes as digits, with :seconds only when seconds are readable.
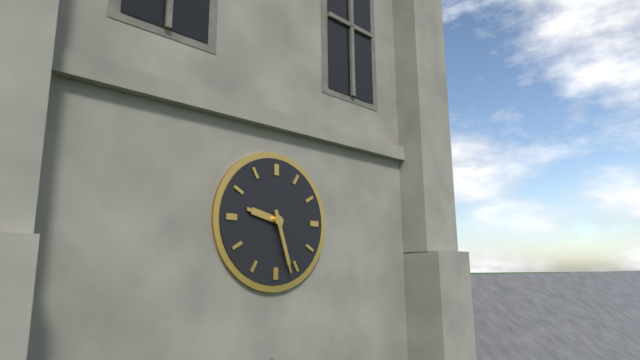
9:27
